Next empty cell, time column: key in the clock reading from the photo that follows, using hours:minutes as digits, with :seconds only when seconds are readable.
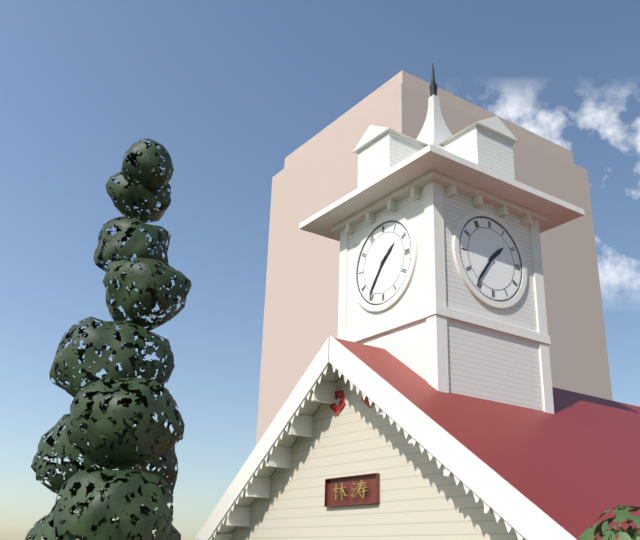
1:36
